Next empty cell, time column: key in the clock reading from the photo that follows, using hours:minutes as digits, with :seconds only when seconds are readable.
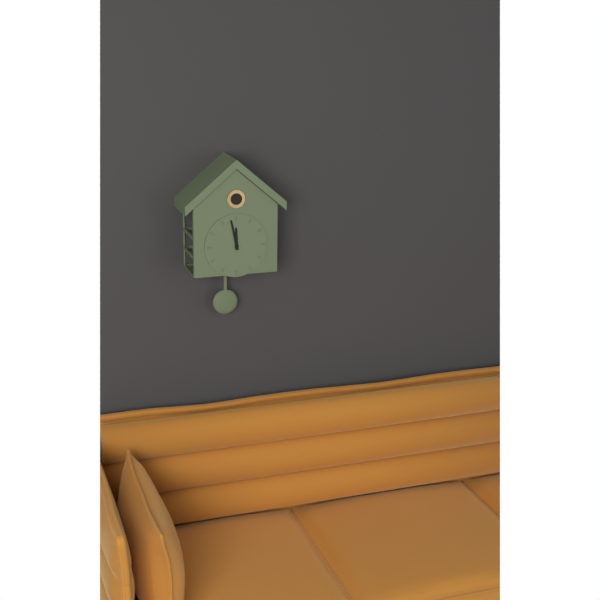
11:58
